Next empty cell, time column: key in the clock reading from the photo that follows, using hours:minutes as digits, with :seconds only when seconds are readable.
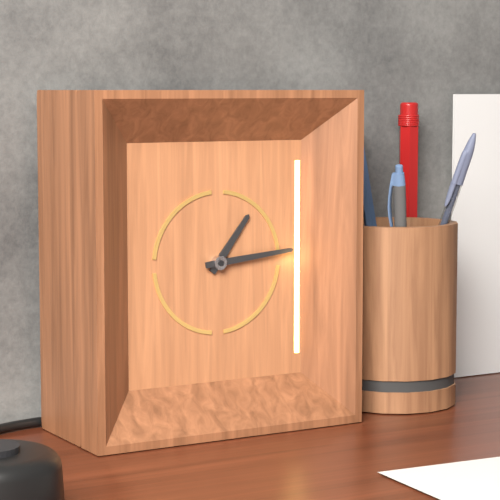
1:14
